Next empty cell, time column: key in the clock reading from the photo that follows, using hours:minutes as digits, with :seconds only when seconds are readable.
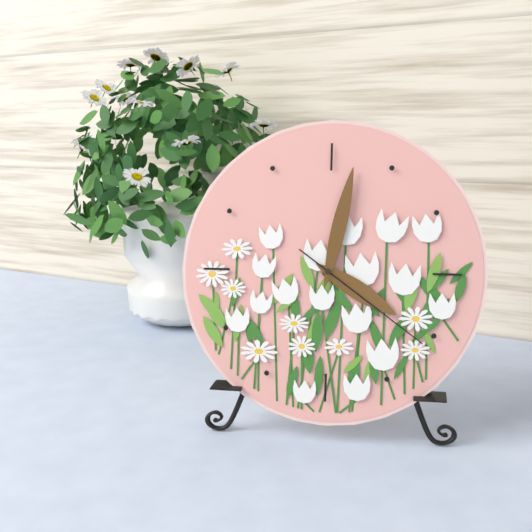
4:02:21
